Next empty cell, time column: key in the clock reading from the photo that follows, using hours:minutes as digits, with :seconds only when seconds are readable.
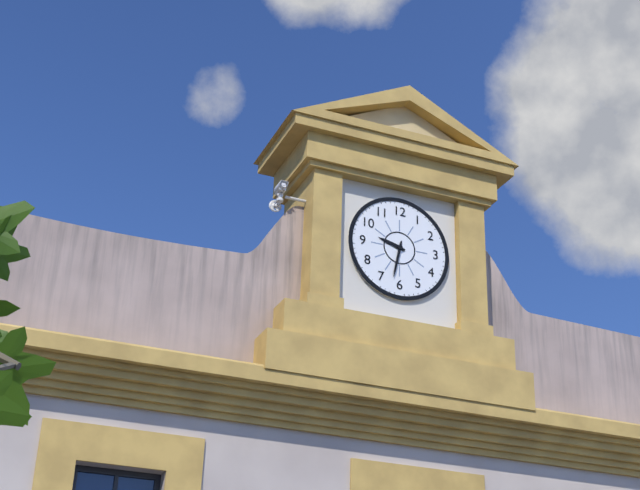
9:32
